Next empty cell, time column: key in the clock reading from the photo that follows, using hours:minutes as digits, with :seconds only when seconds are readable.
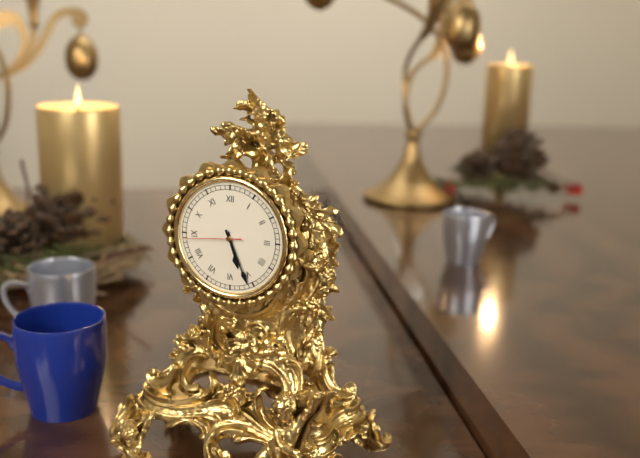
5:26:44
